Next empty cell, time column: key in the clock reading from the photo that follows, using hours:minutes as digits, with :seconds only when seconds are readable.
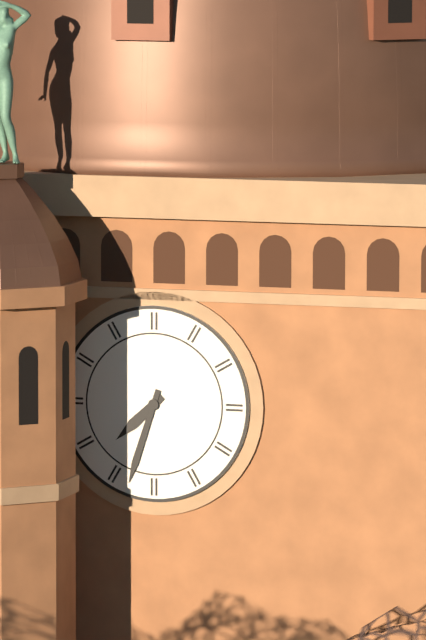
7:33
